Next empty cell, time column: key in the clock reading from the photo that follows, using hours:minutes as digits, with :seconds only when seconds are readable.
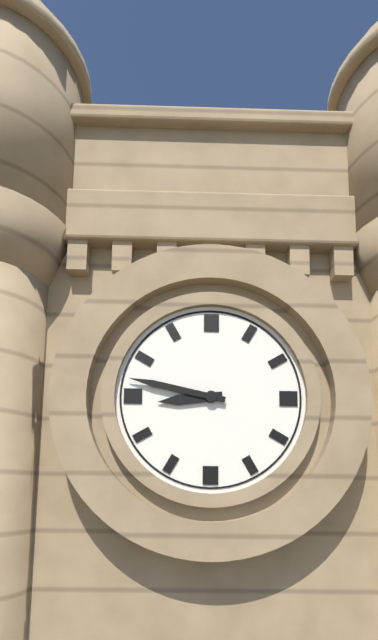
8:47
